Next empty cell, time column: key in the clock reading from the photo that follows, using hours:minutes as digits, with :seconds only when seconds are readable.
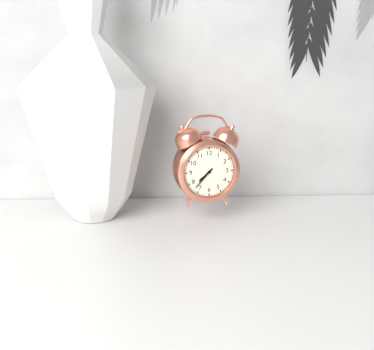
7:37
